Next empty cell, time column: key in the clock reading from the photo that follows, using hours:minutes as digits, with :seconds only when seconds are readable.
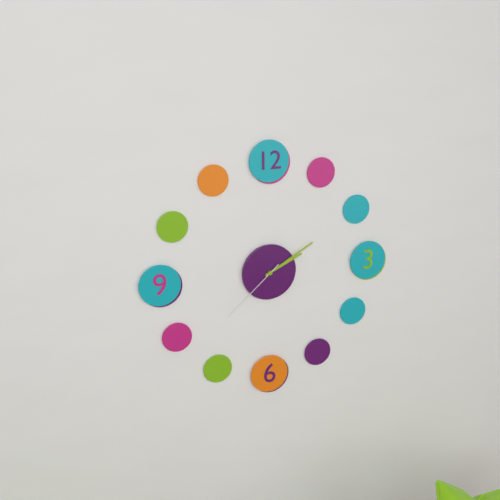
2:10:38
